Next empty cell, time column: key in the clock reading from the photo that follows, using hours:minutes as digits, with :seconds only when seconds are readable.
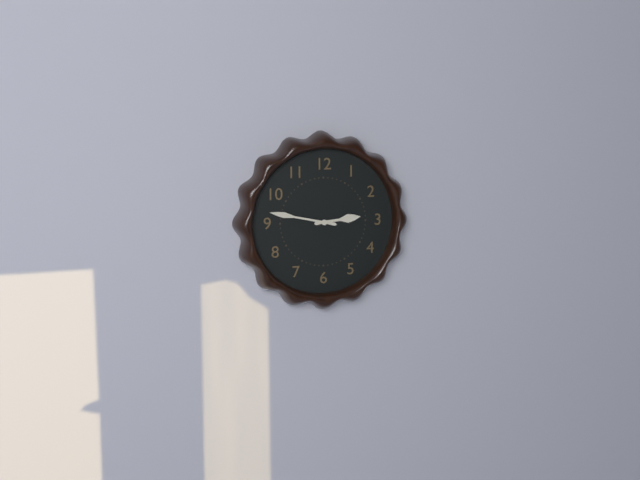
2:47
